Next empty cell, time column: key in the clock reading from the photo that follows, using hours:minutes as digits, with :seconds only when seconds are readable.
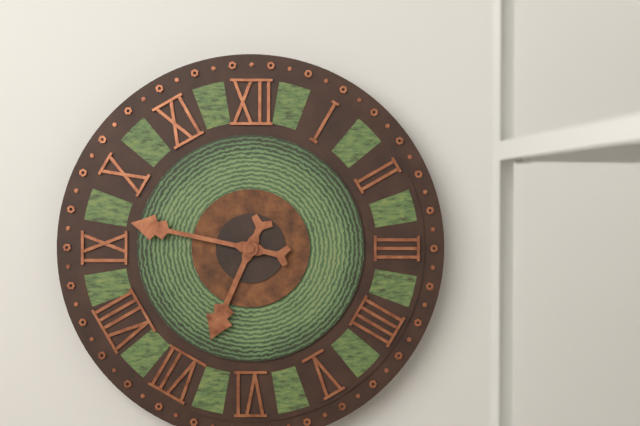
6:47
